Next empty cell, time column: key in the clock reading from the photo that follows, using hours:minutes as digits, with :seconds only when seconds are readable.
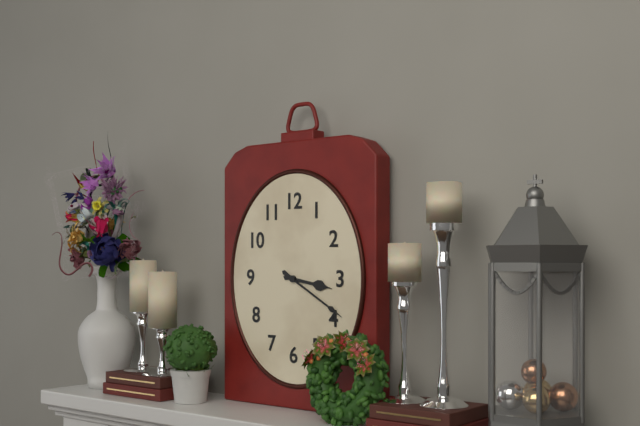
3:20
